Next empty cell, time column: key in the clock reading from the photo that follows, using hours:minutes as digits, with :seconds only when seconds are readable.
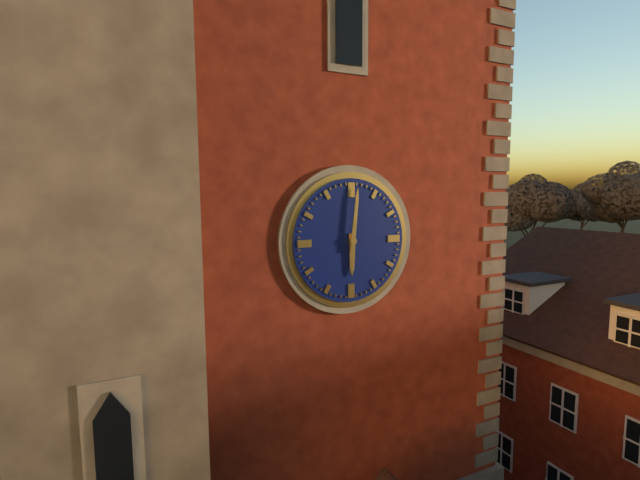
6:01
